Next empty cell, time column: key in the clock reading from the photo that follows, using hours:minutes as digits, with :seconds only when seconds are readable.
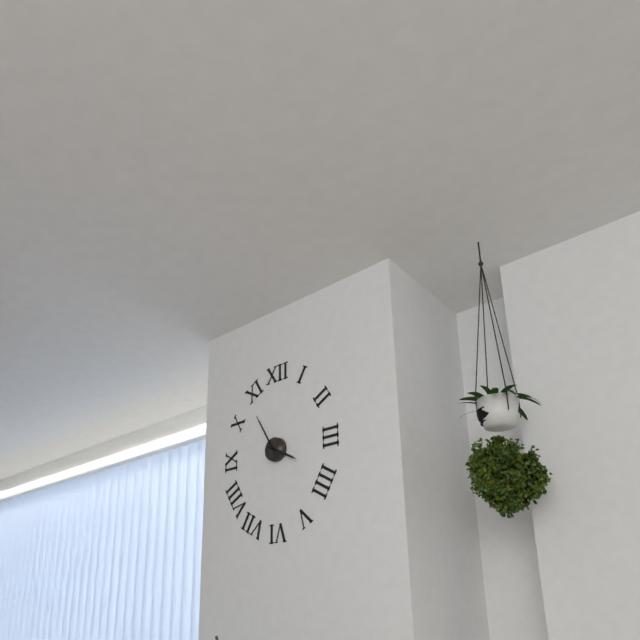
3:55
